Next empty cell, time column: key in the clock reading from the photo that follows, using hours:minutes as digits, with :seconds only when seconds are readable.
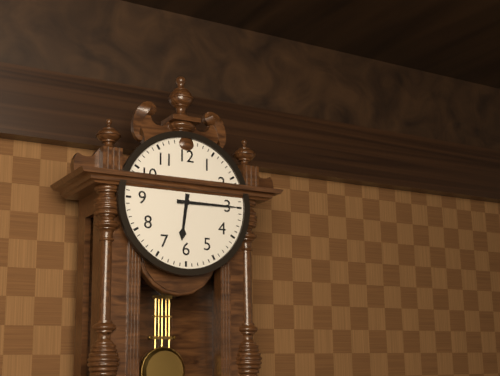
6:15
